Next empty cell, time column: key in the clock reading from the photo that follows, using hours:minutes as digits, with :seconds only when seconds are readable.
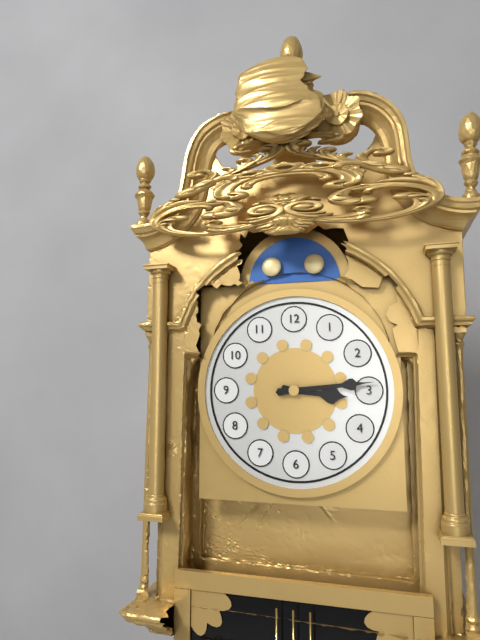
3:14
